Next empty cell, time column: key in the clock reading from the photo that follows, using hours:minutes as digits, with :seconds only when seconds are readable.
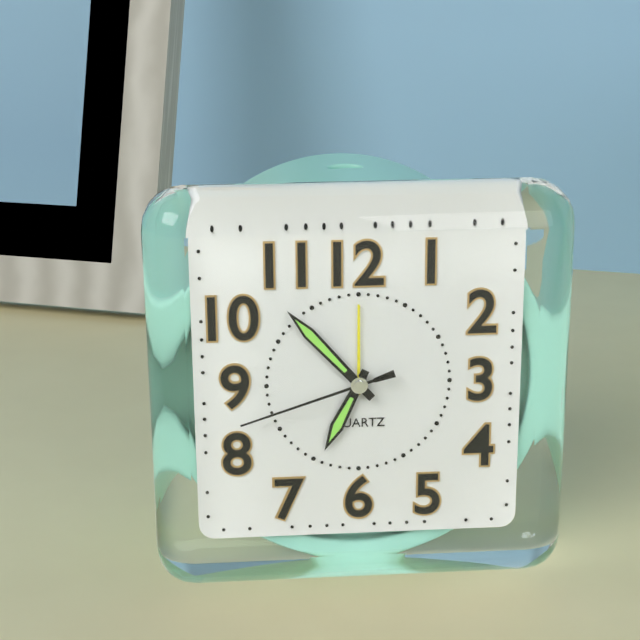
6:53:42
